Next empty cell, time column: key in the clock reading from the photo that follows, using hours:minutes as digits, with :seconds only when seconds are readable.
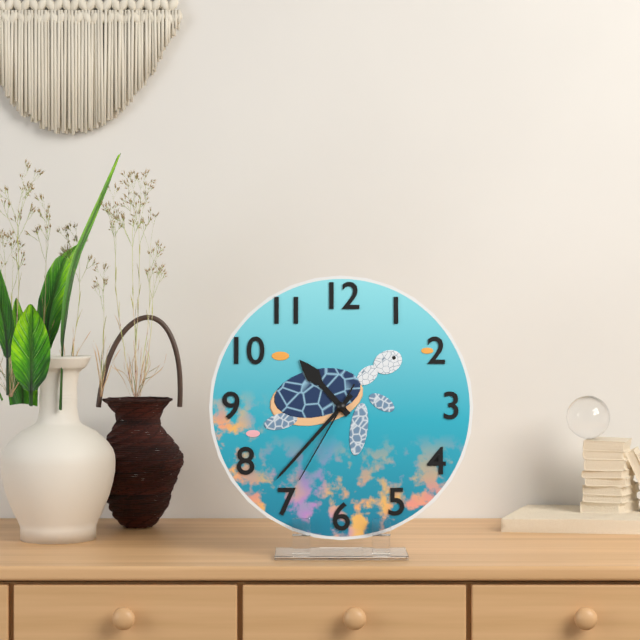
10:37:35
